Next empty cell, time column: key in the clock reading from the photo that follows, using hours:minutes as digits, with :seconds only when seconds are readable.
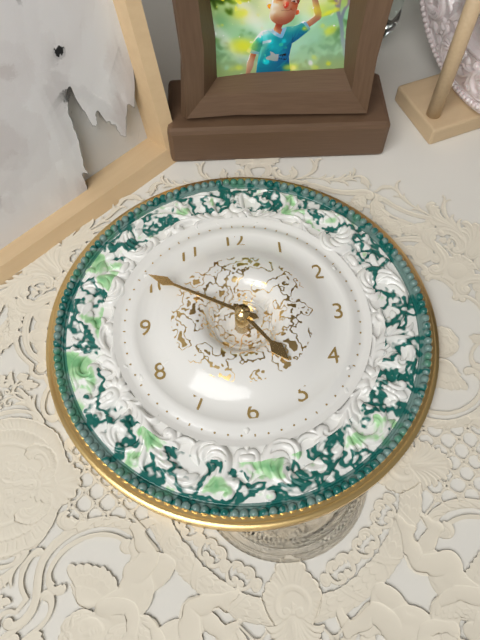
4:50
